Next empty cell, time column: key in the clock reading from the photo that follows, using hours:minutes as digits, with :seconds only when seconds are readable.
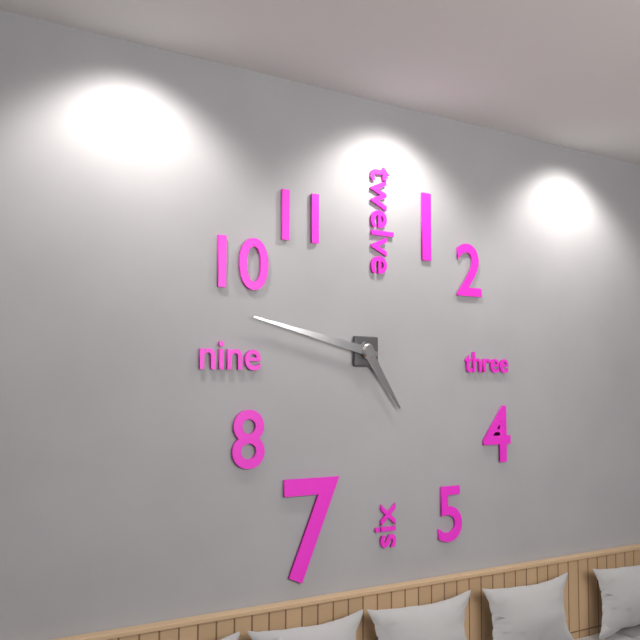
4:47
